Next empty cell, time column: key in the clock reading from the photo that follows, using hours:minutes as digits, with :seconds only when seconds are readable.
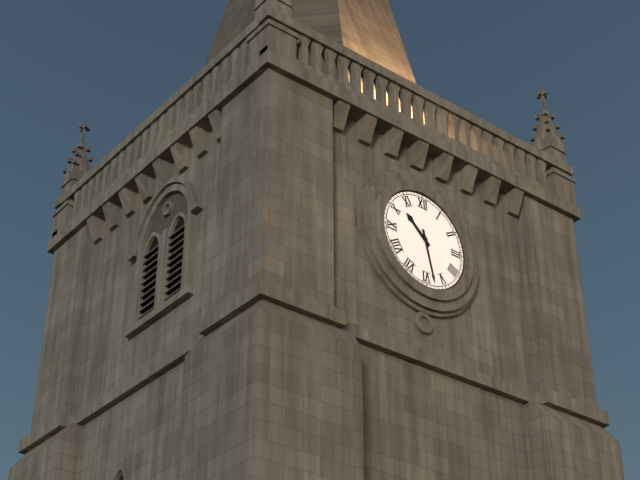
10:28
